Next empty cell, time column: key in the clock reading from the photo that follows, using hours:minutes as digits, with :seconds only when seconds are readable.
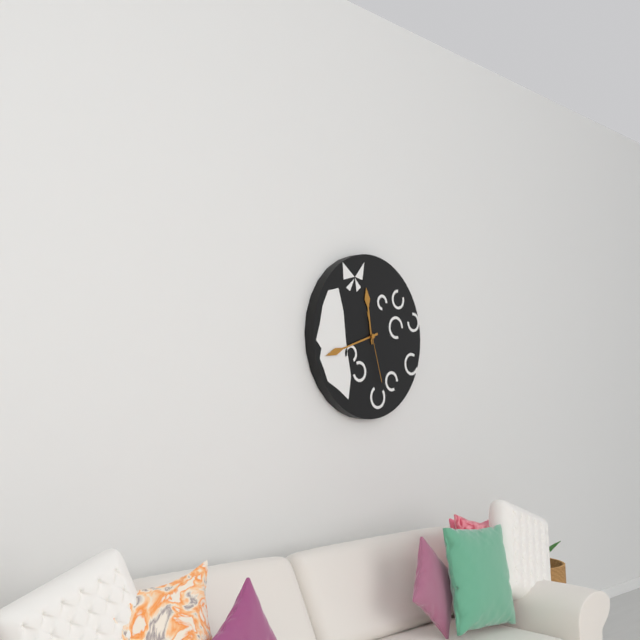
11:42:27
